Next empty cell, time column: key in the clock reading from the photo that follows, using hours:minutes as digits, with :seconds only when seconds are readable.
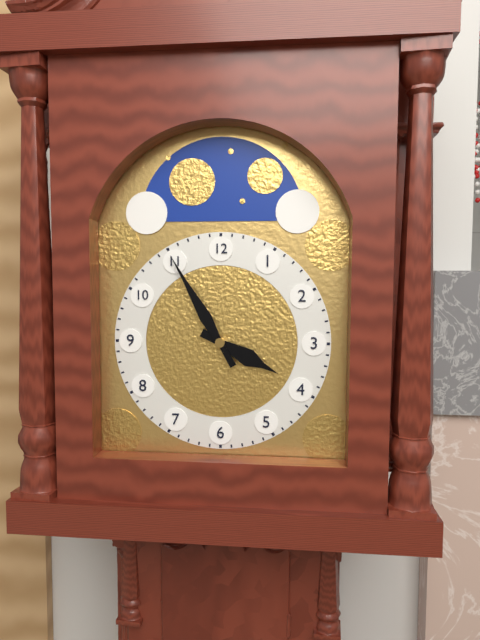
3:55
